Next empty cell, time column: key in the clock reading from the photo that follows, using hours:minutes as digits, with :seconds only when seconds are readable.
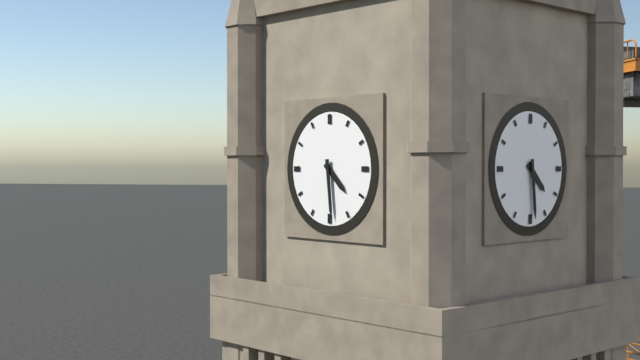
4:29
